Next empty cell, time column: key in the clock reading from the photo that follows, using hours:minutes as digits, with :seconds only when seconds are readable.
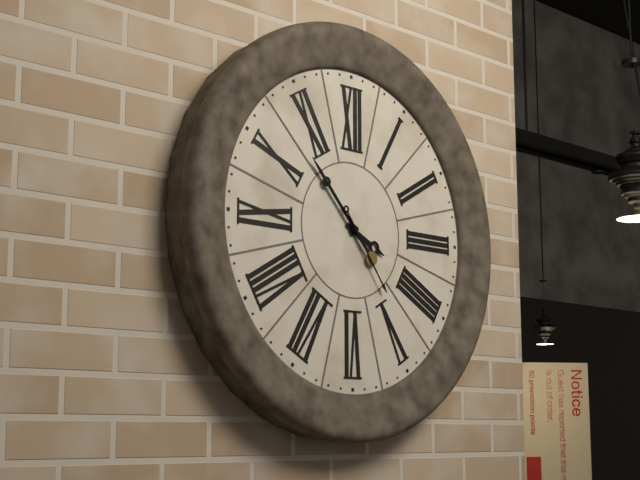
3:53:24
